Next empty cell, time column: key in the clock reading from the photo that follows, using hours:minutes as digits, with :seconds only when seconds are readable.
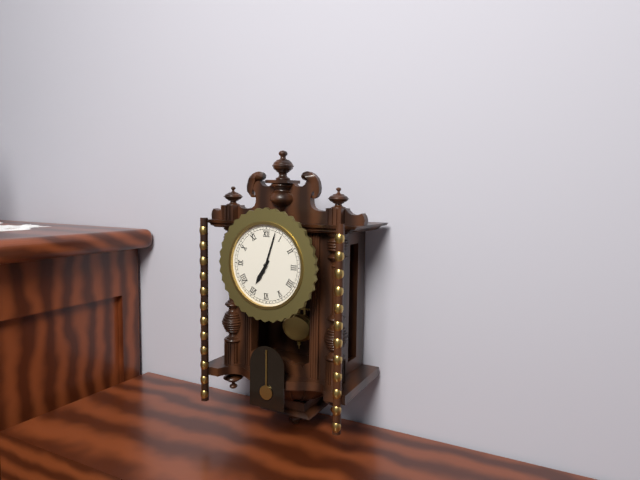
7:03
